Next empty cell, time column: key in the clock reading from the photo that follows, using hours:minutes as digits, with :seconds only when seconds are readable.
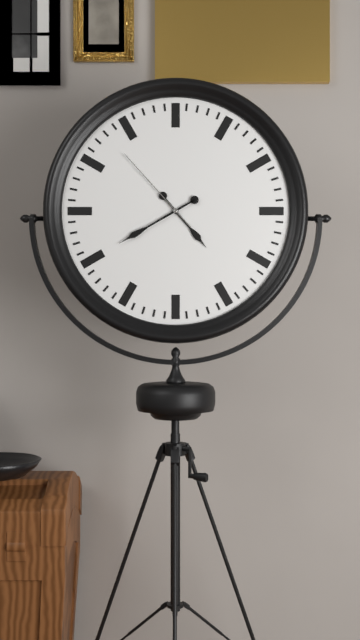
4:40:53
